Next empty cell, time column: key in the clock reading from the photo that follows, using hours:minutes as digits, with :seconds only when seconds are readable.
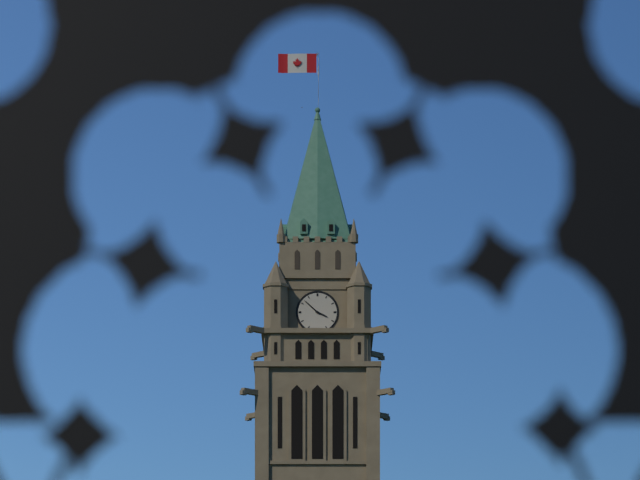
3:52
